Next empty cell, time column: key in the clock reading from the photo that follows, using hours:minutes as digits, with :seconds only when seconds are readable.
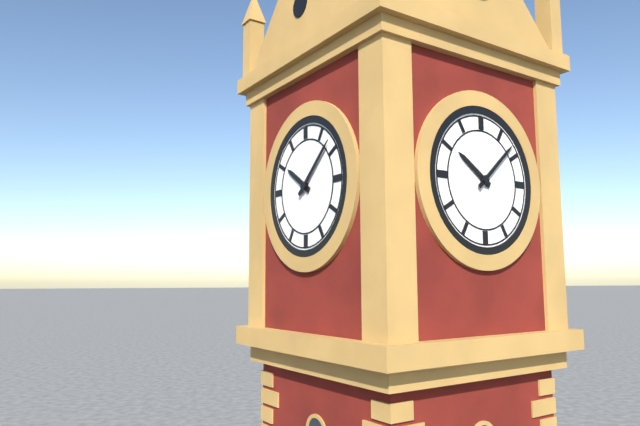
10:08
